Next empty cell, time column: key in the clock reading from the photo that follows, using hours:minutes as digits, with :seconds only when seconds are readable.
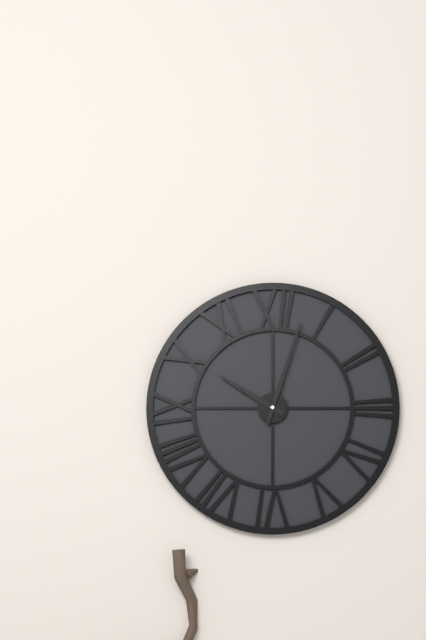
10:03
